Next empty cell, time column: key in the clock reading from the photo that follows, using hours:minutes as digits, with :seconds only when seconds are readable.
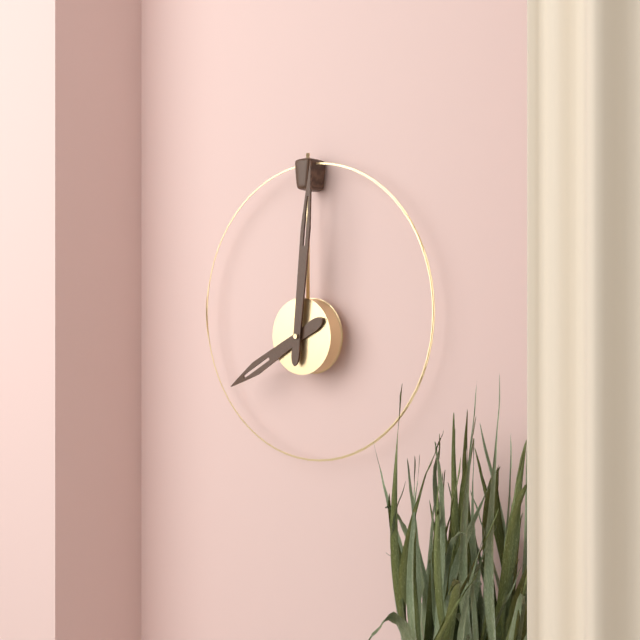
8:01
